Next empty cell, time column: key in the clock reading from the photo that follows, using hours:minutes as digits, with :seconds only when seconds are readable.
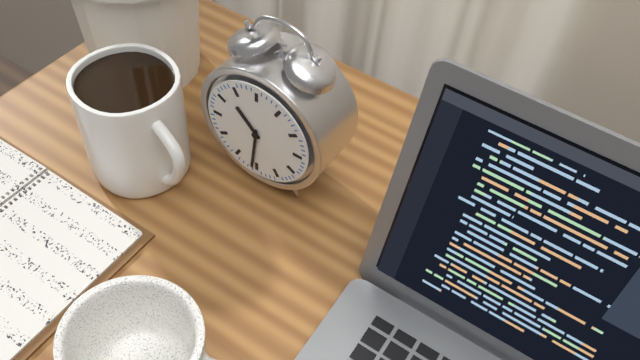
10:31
